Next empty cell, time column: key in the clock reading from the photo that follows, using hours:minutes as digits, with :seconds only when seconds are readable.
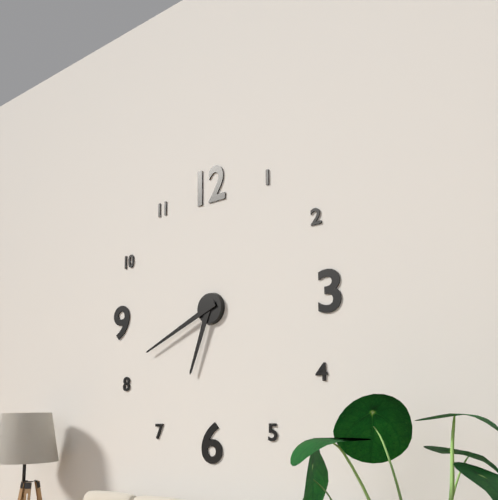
6:41
